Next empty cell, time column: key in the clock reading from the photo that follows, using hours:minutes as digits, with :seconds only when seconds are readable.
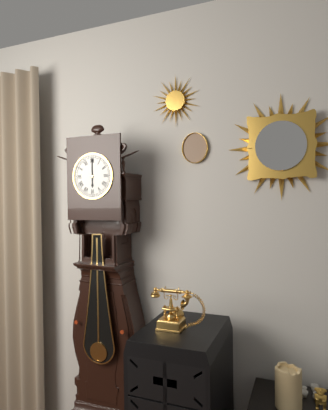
6:00
